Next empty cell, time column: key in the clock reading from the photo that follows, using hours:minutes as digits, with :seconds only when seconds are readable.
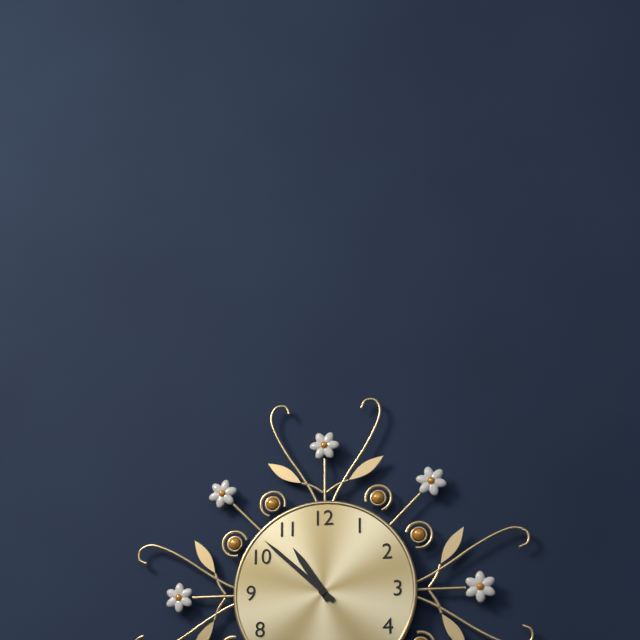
10:52
